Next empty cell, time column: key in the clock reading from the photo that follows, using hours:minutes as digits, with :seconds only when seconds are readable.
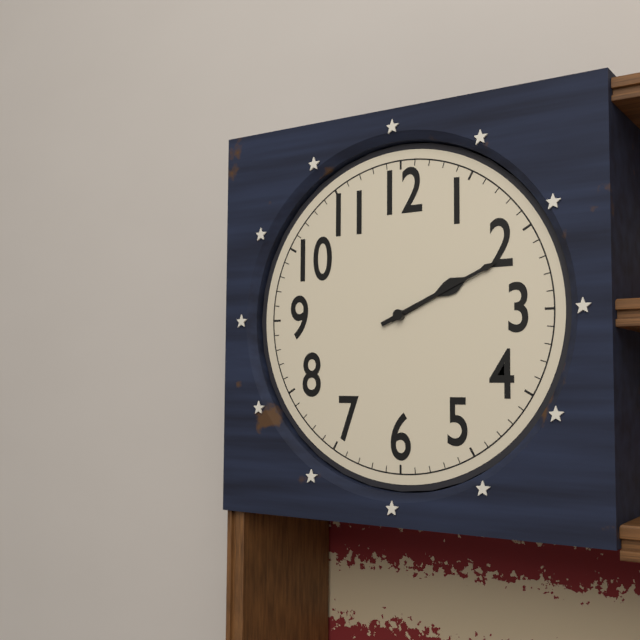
2:11
